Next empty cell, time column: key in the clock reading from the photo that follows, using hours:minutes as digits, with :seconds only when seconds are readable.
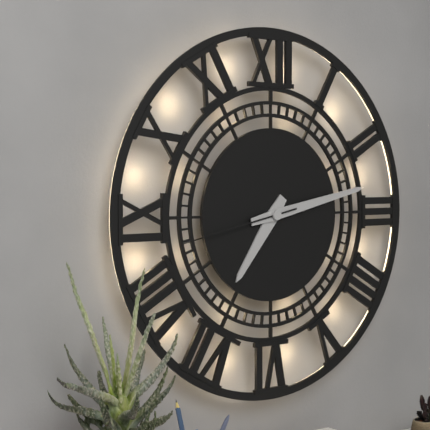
7:13:43
